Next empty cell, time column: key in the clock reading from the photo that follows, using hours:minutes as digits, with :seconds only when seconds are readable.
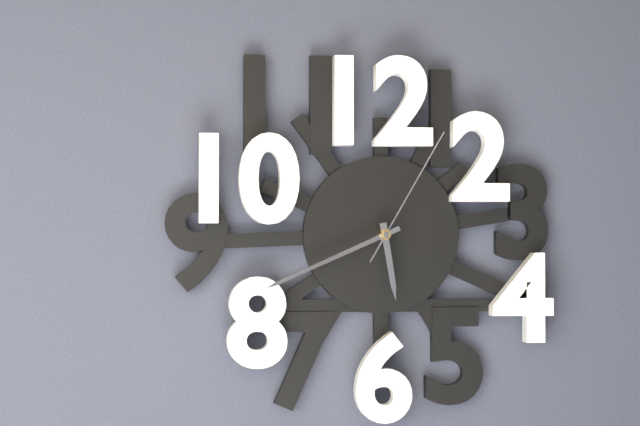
5:41:05
